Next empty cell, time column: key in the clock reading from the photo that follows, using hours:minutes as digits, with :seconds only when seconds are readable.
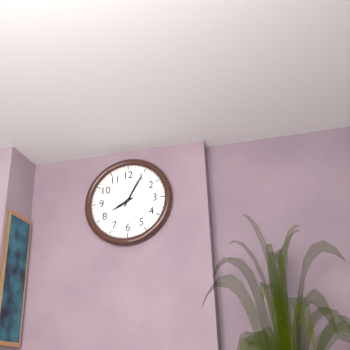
8:05
